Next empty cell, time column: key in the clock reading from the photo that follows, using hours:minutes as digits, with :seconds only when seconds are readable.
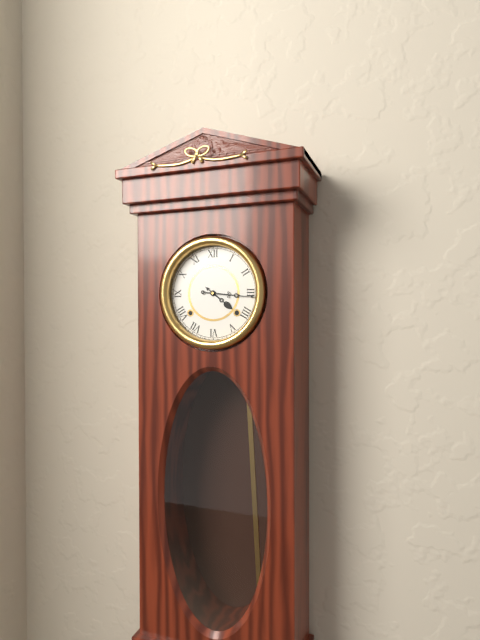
4:16
